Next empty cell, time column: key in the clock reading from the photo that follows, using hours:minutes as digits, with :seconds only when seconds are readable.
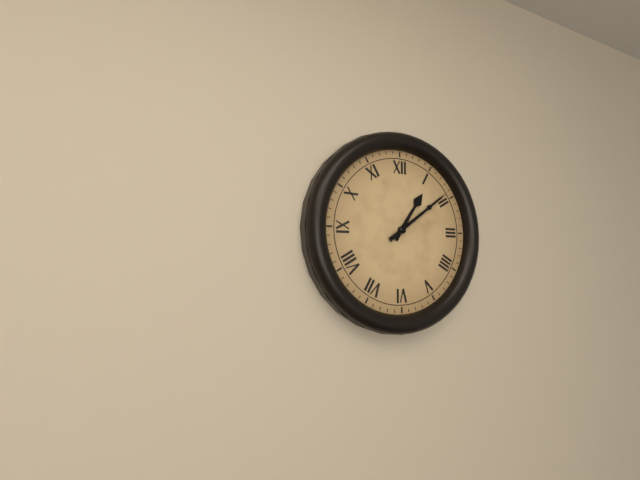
1:09
